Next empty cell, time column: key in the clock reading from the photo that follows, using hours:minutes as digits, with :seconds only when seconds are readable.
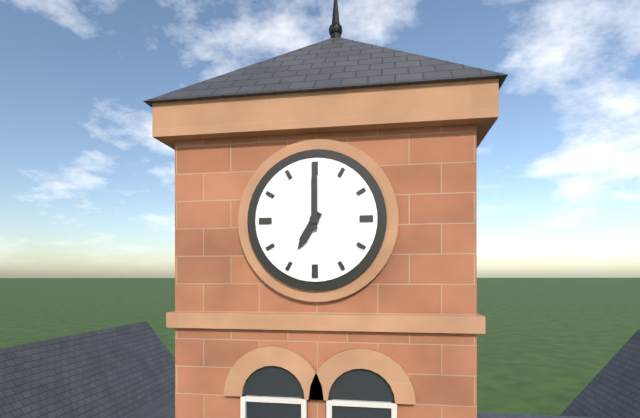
7:00
